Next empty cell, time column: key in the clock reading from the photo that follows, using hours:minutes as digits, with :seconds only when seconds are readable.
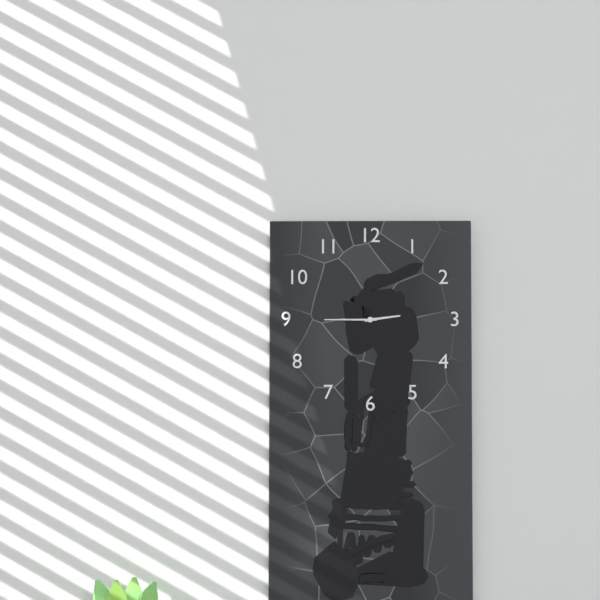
2:45
